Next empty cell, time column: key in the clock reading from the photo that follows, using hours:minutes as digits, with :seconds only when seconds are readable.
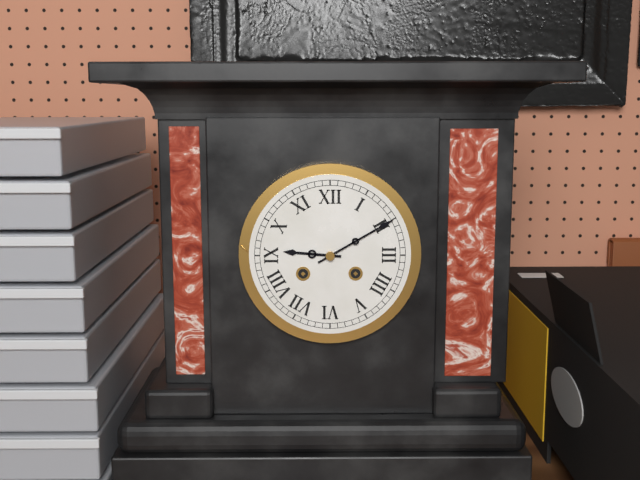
9:10
